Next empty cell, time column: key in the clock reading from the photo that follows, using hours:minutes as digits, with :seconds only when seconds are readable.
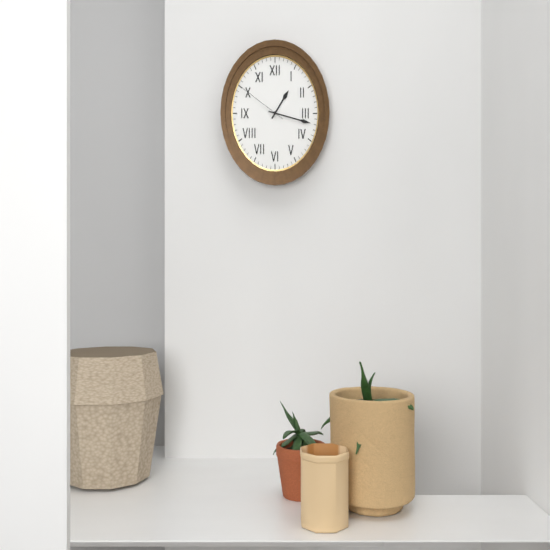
1:17:50
